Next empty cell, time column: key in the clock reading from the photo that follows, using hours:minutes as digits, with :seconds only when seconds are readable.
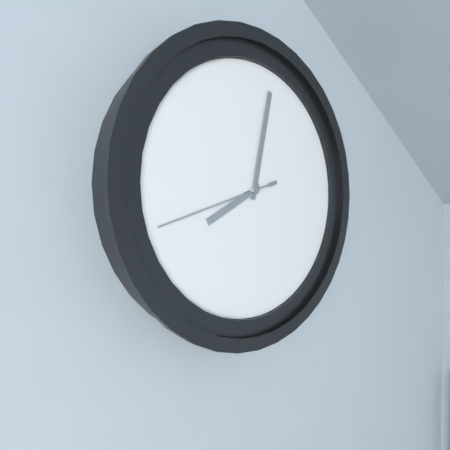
8:02:42
